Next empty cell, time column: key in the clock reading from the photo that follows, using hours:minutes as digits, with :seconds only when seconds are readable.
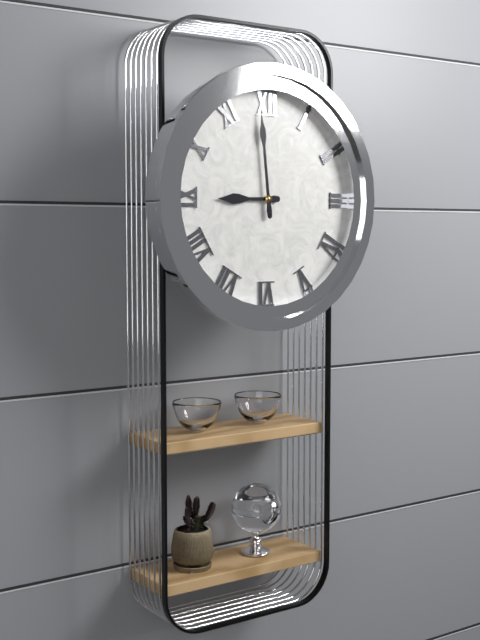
8:59
